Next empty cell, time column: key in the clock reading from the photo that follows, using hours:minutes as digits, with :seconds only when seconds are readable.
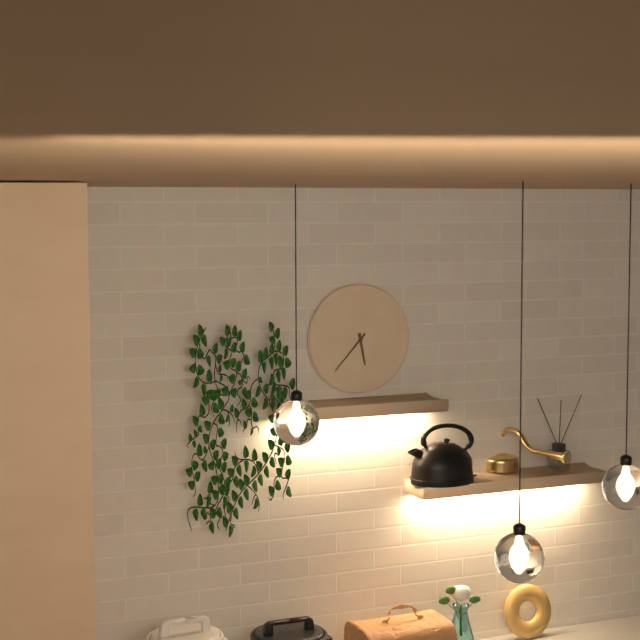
5:37
